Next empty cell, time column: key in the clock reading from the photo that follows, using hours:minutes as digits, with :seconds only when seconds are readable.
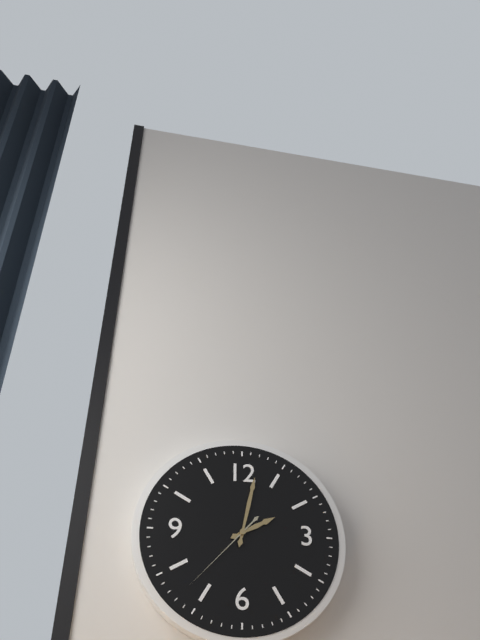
2:02:37
